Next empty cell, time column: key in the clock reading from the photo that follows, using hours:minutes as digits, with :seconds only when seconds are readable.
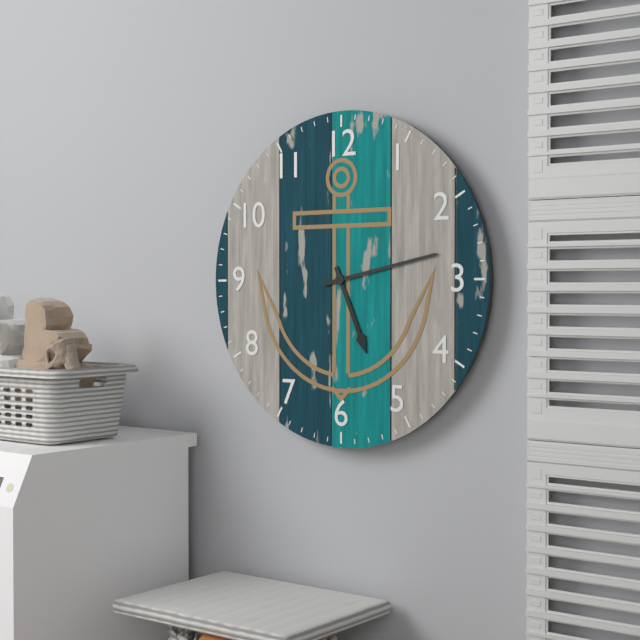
5:13
